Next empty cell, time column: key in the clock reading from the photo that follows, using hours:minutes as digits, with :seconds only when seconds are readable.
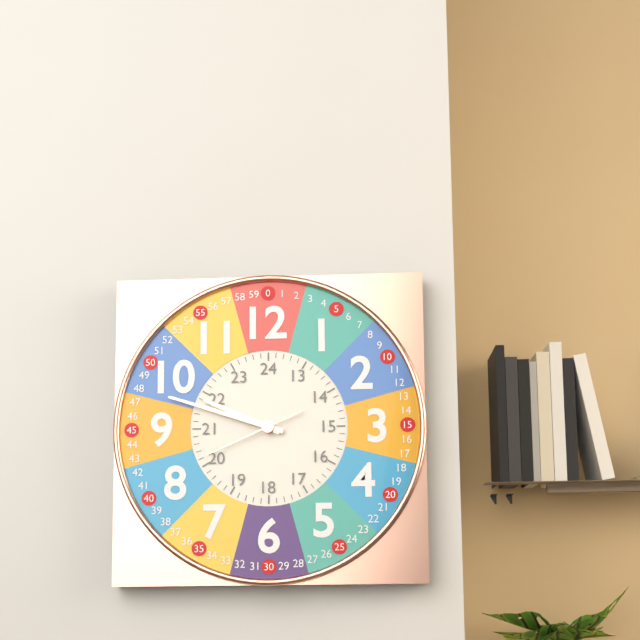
9:48:41
